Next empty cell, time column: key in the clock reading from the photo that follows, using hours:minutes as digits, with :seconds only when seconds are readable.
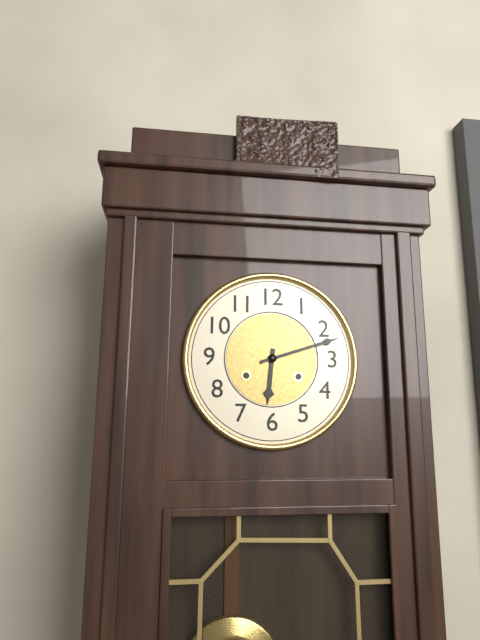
6:12
